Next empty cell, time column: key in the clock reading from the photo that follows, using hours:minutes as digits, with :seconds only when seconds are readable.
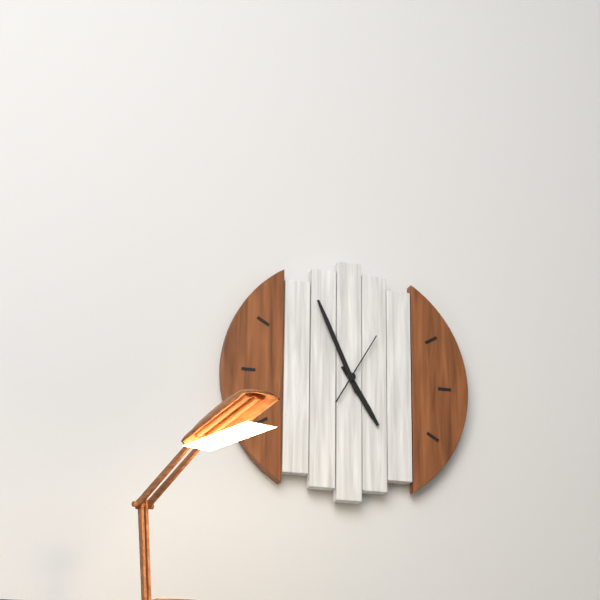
4:56:05
